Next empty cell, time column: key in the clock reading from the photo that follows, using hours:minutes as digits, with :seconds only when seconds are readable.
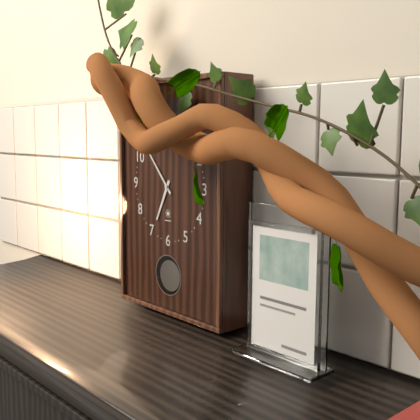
6:53
